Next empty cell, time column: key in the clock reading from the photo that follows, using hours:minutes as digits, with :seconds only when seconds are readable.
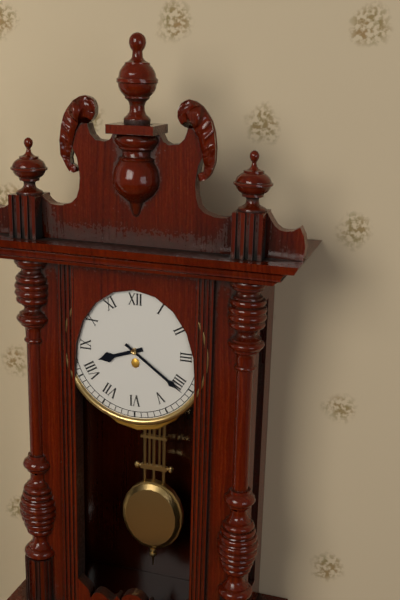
8:21
